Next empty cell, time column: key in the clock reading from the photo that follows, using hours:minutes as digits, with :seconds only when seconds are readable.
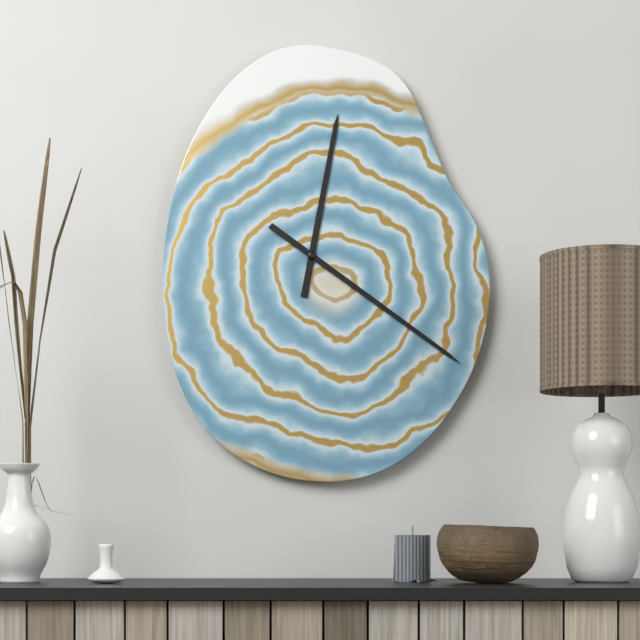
12:21
